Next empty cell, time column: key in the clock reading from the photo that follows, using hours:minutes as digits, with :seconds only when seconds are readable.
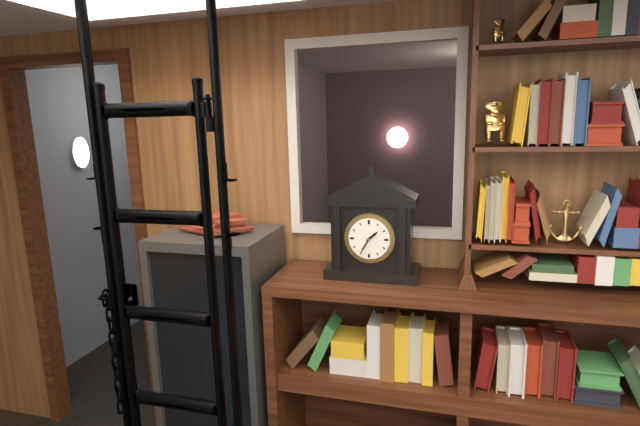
1:35
